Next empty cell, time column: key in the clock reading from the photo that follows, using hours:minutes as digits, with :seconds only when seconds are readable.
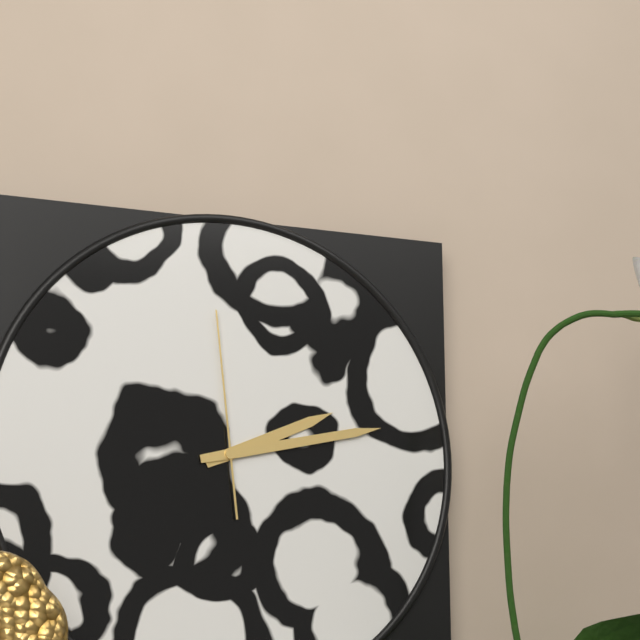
2:13:59
